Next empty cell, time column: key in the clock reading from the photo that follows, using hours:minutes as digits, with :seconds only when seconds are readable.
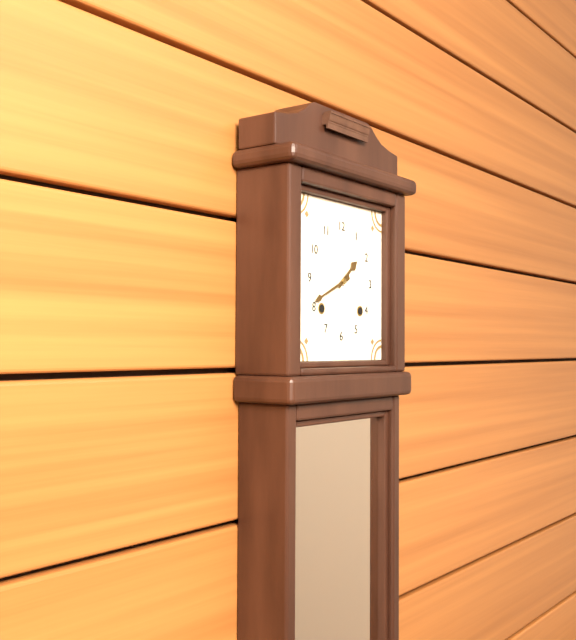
1:41
